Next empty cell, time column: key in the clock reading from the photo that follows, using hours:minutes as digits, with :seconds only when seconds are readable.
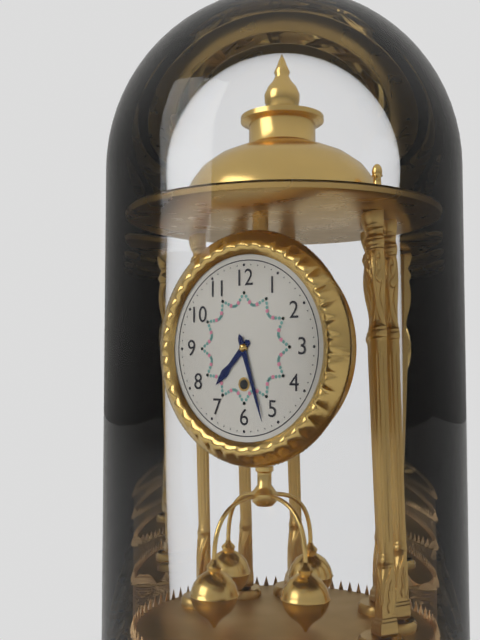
7:27
